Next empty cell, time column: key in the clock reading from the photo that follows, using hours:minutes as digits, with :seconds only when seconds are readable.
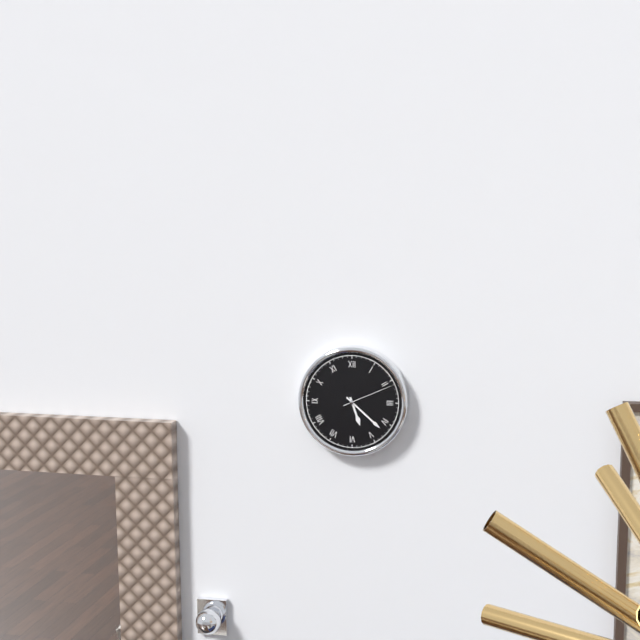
5:22
